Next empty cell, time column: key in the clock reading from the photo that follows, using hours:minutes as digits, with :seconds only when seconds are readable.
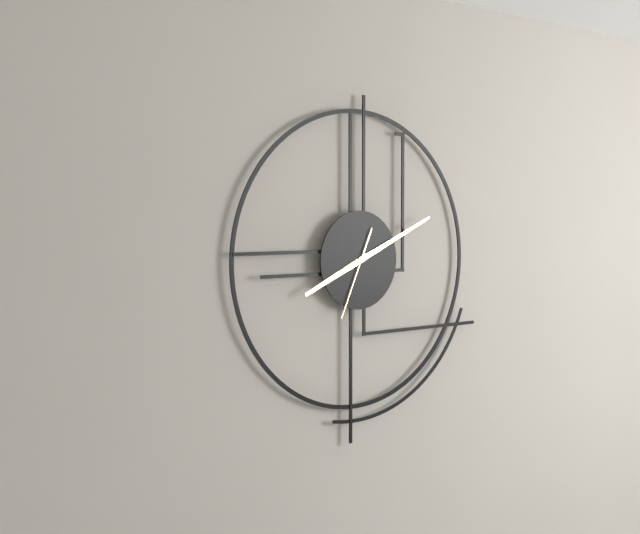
8:11:34
